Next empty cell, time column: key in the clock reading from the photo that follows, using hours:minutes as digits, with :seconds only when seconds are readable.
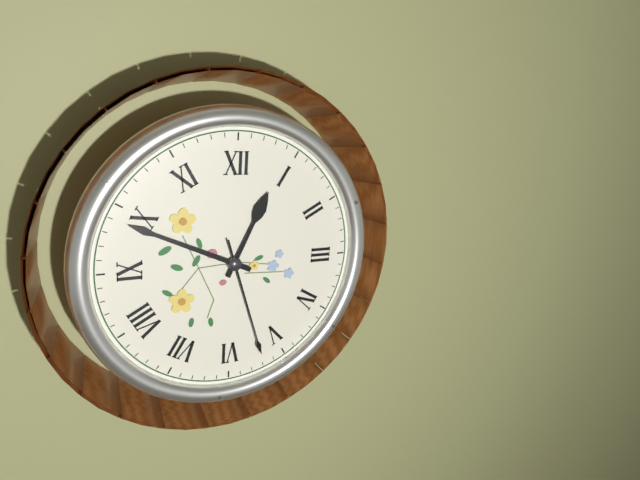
12:49:27
